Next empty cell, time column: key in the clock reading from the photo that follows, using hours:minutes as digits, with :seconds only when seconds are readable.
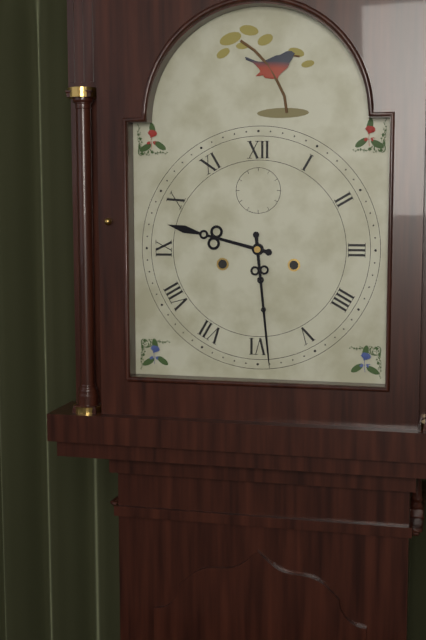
9:29
